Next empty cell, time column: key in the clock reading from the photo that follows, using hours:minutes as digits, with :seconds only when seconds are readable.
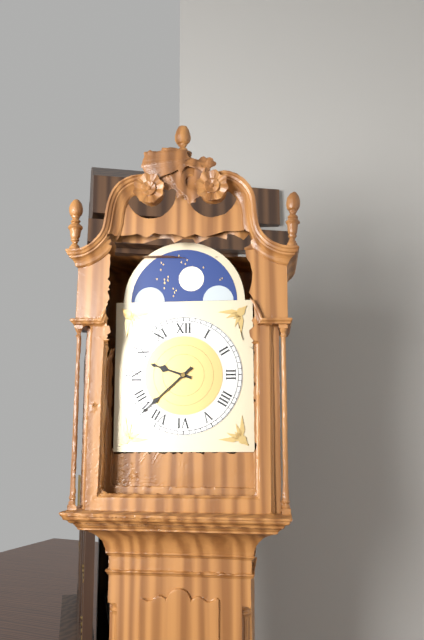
9:38
